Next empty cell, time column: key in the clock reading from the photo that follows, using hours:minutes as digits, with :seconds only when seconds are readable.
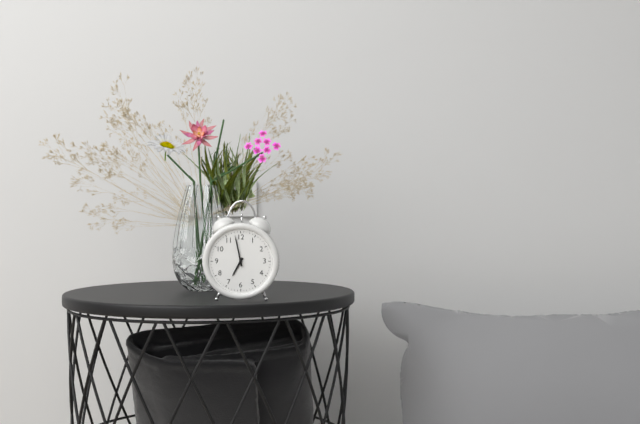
6:58
